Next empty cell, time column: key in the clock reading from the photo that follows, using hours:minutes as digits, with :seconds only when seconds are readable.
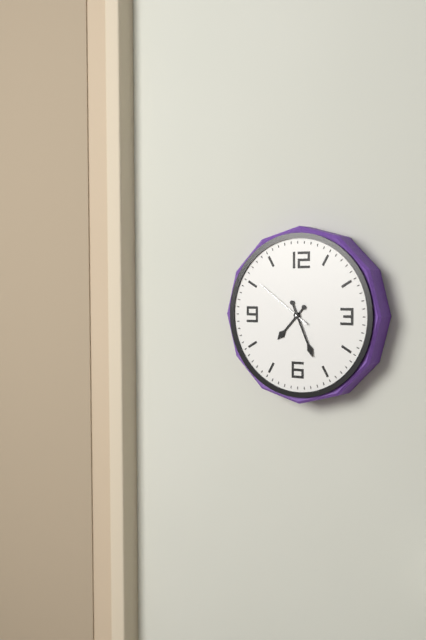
7:26:51
